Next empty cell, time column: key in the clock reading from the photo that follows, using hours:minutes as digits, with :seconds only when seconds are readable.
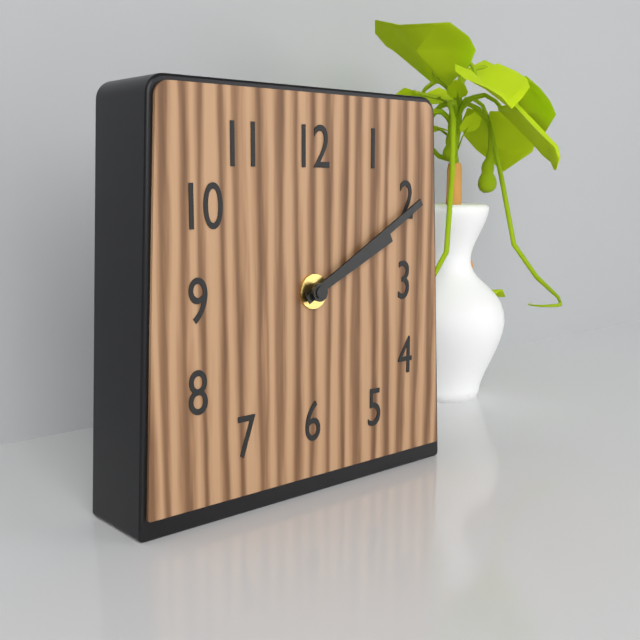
2:10
